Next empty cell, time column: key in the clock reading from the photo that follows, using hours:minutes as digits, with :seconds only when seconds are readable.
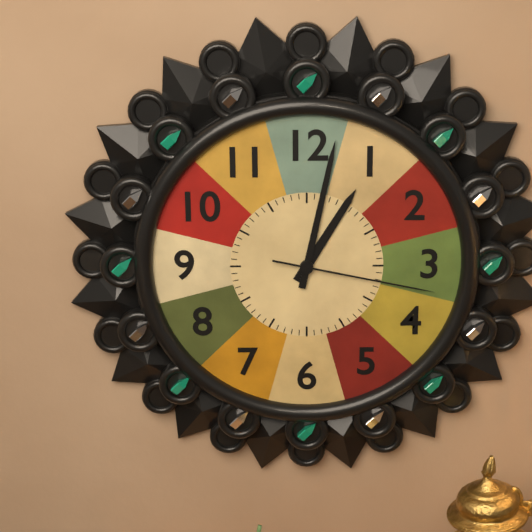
1:02:17
